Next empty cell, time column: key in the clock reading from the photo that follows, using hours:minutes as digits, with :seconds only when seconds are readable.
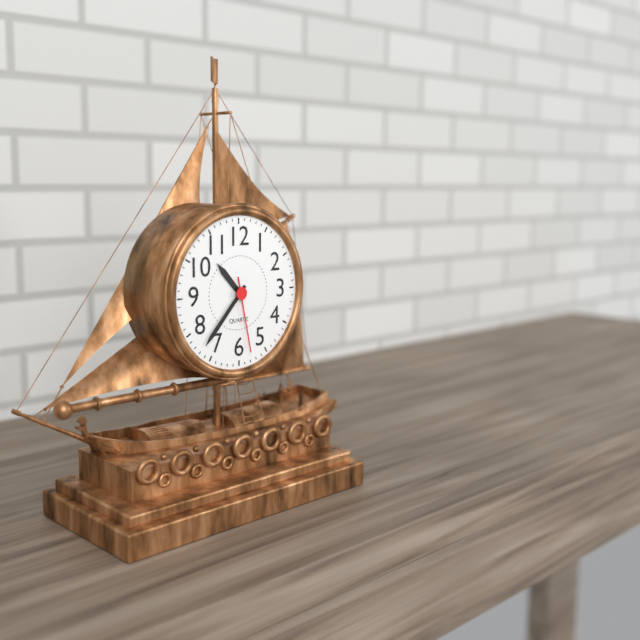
10:37:28
